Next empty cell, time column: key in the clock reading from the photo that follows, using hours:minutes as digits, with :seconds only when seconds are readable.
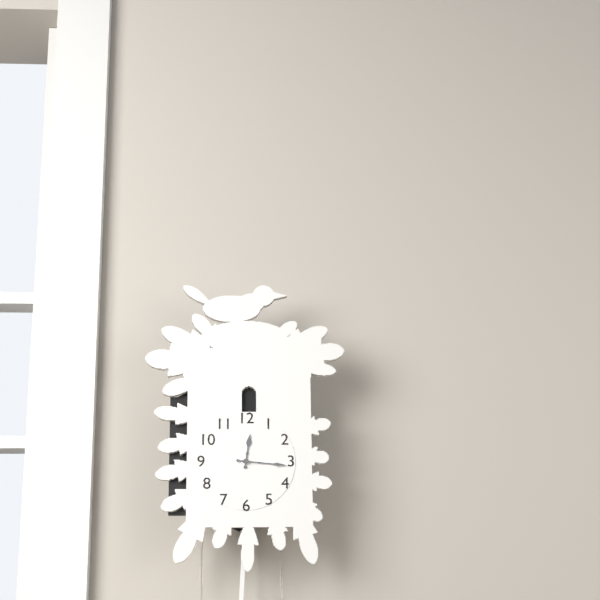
12:16
